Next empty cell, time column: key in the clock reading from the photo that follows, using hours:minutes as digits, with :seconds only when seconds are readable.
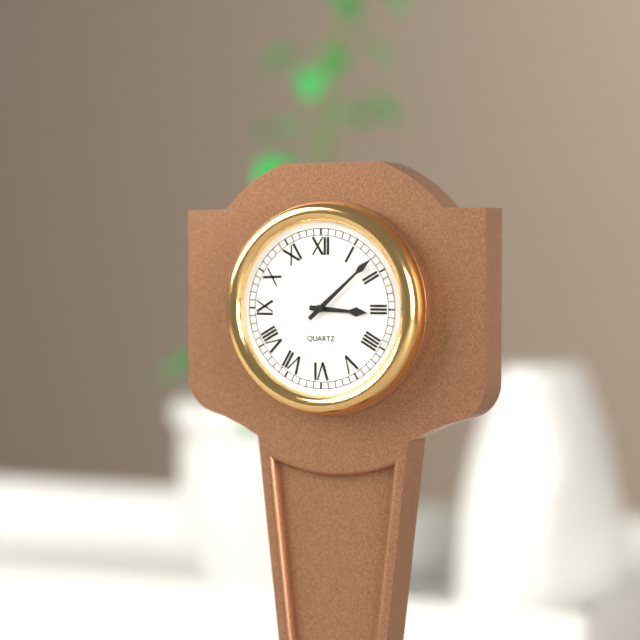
3:08
